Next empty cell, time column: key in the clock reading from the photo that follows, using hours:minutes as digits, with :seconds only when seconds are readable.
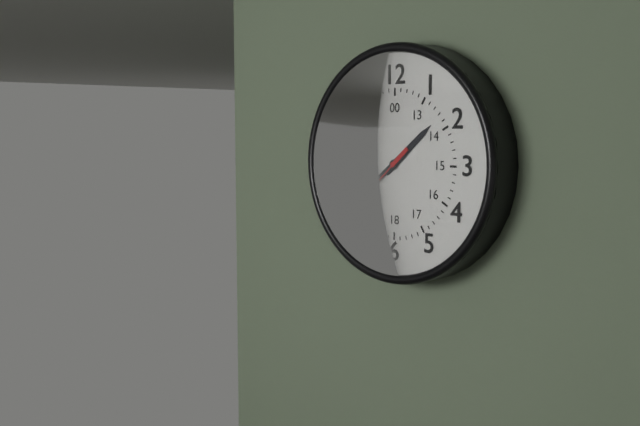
1:39:38
